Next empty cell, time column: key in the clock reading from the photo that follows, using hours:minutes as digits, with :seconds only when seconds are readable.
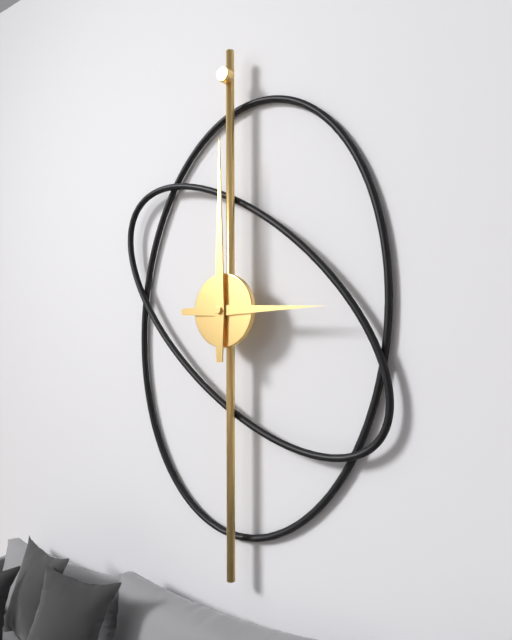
3:00
